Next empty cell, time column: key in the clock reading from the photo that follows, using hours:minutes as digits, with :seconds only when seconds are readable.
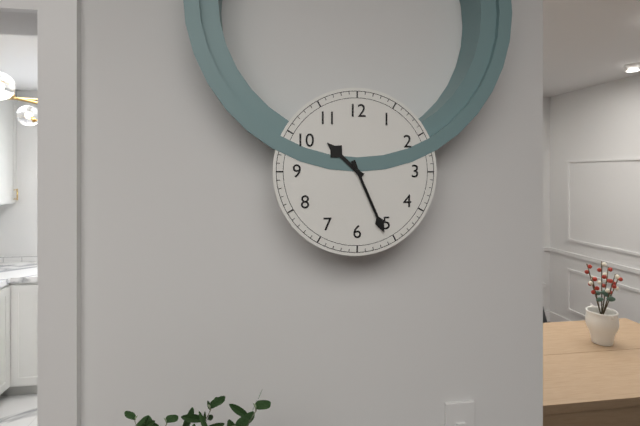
10:26
